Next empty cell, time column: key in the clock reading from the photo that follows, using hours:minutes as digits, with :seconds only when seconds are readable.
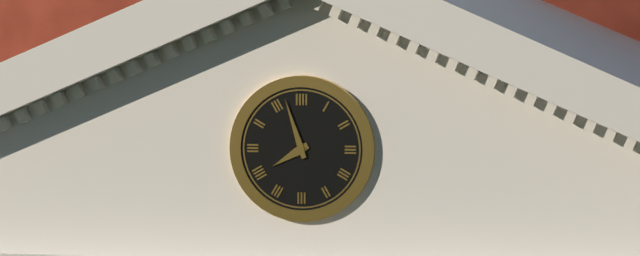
7:57
